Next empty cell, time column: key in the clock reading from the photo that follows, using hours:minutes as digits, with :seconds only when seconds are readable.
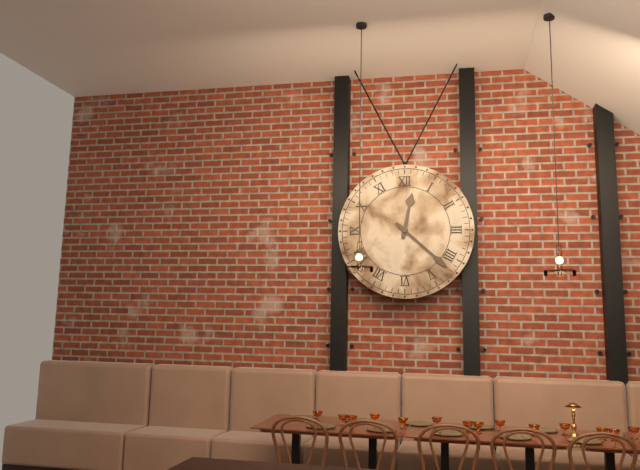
12:22
